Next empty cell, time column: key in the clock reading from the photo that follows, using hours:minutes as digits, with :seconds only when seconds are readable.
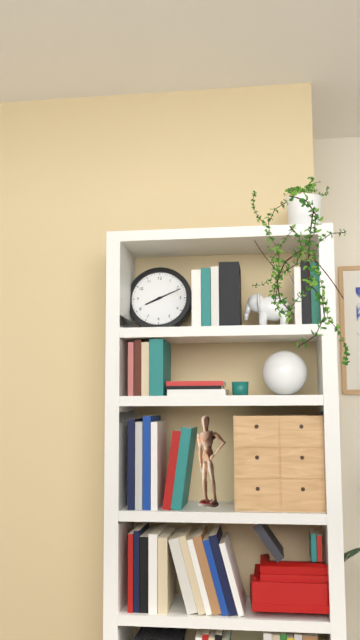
8:11
